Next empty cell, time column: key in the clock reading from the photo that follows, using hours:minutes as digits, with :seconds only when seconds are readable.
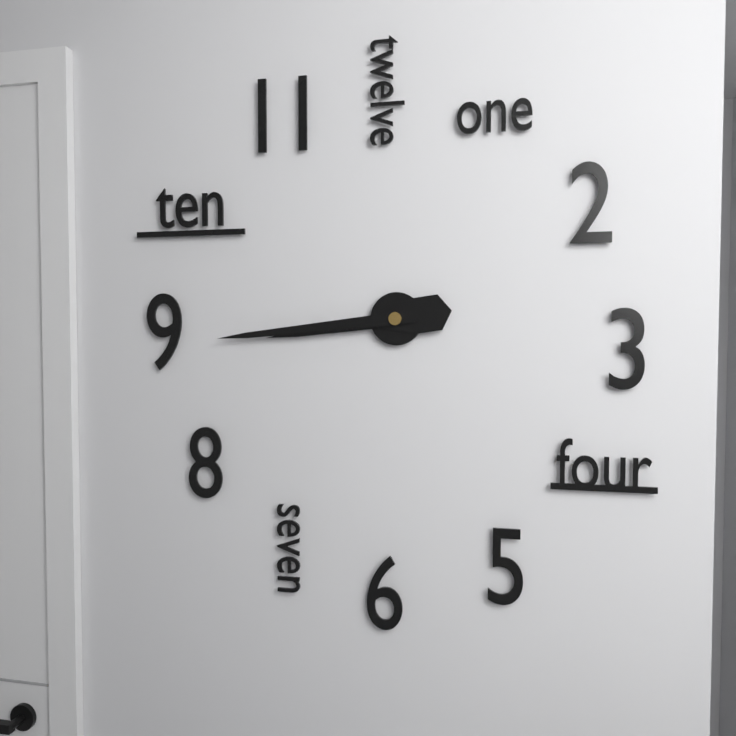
8:44
